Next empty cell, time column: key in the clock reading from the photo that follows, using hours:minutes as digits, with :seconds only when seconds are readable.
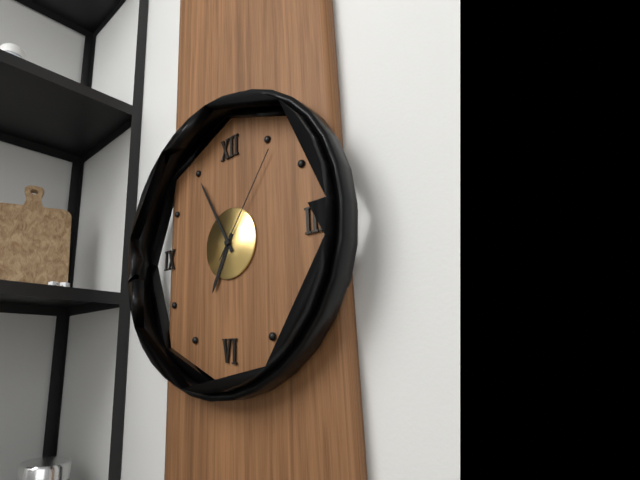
6:55:06
